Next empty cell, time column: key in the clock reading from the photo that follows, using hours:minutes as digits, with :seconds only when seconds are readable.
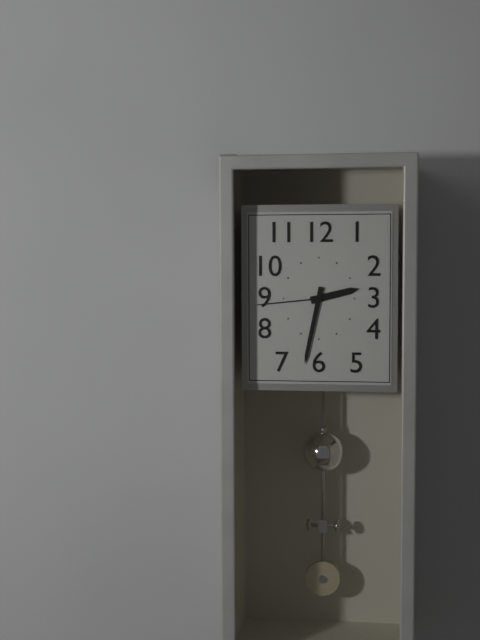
2:32:44
